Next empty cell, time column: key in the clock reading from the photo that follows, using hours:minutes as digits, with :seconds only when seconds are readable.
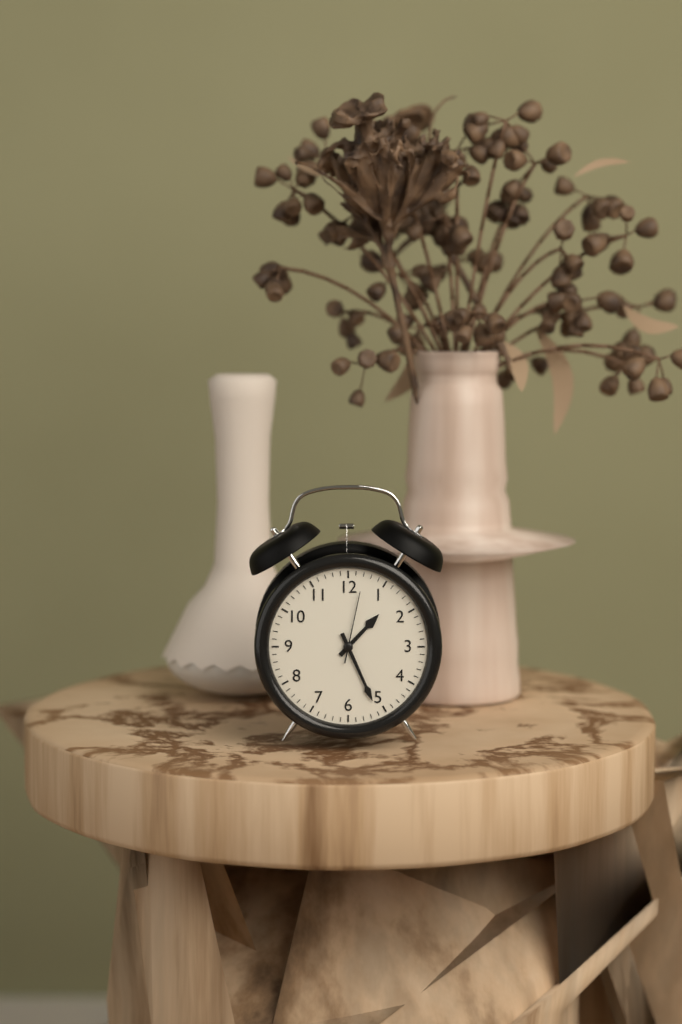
1:26:02
